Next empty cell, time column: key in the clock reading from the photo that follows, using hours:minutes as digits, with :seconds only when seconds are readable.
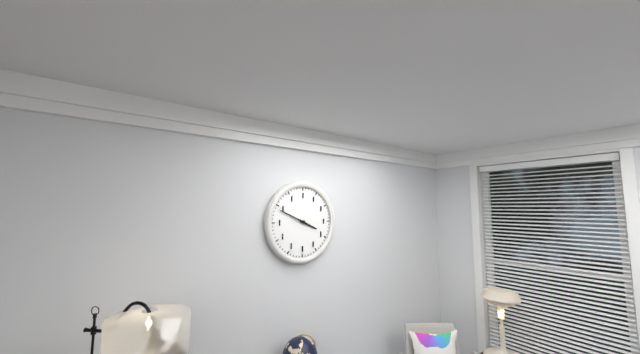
3:49
